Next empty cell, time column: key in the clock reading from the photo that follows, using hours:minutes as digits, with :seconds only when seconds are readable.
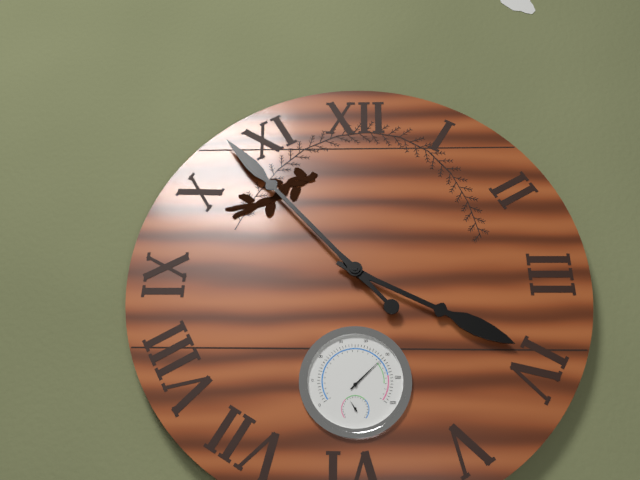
3:53
